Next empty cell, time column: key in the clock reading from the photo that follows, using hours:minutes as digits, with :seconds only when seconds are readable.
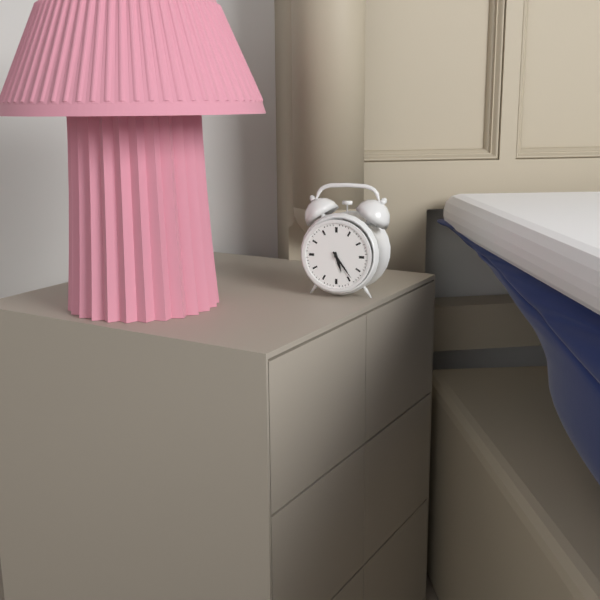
5:24
